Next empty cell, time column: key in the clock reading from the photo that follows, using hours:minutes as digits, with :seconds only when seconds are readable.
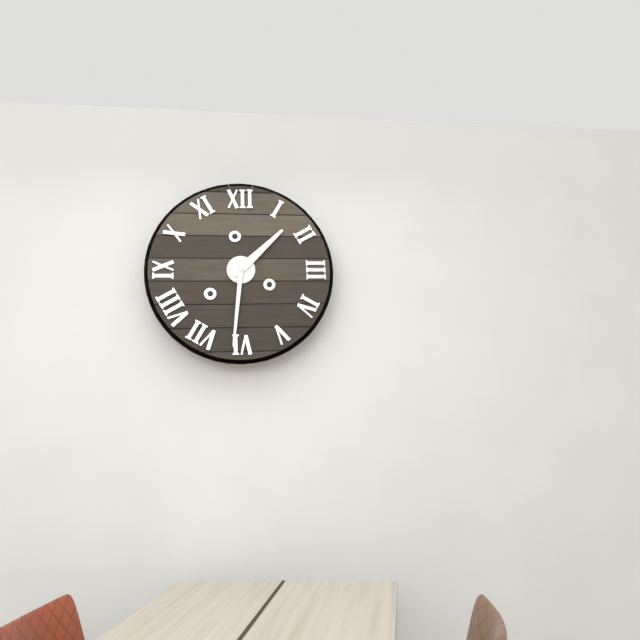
1:31
